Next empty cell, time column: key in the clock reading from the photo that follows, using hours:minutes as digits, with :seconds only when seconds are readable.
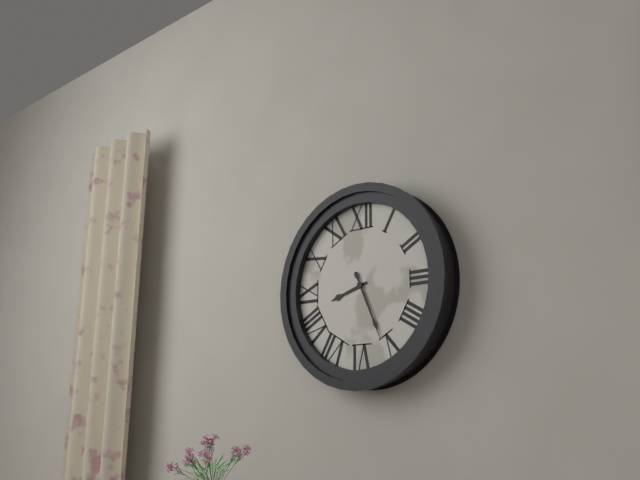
8:26
